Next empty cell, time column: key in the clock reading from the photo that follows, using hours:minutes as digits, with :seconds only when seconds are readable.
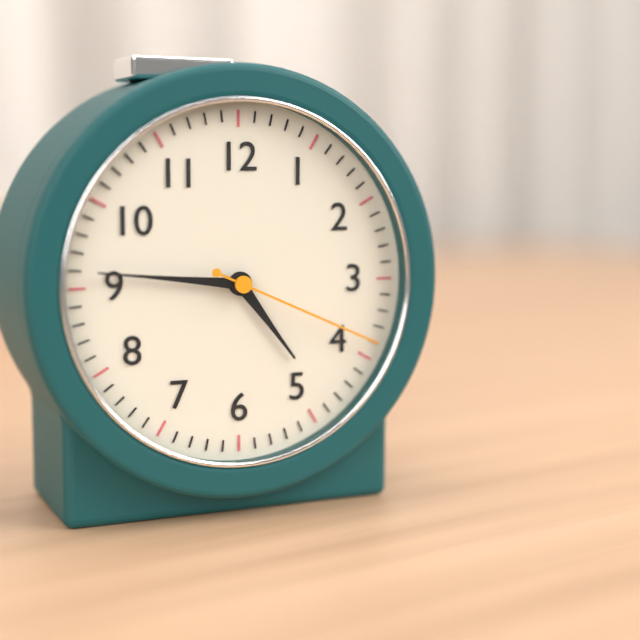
4:46:19
